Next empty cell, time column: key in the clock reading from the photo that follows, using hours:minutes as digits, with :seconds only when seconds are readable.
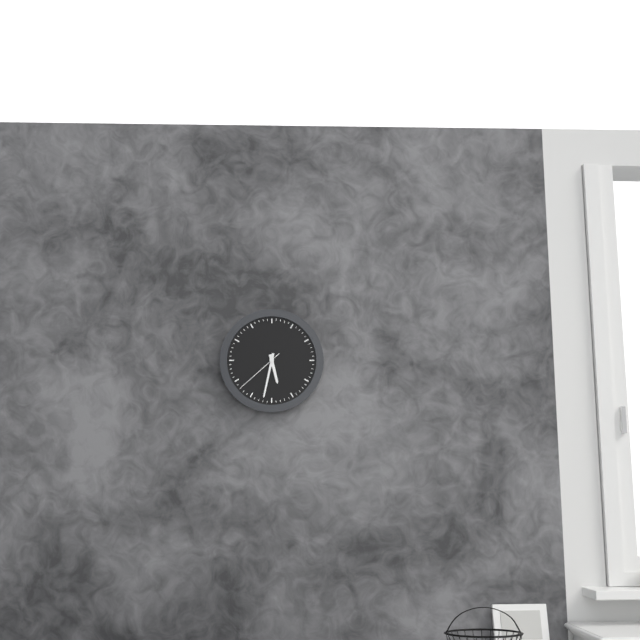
5:32
